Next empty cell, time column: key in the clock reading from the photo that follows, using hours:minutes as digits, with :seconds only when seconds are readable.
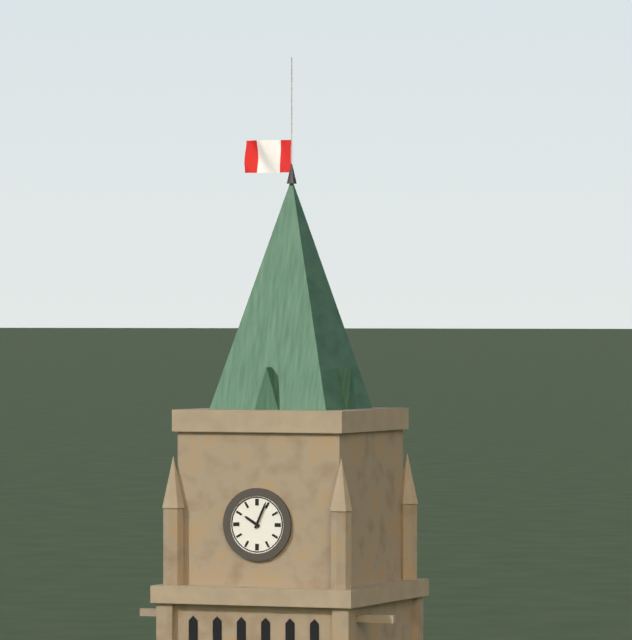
10:04
